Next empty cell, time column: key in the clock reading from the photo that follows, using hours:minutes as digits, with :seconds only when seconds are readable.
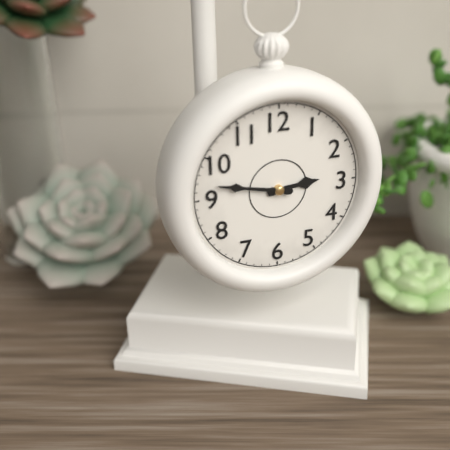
2:47
